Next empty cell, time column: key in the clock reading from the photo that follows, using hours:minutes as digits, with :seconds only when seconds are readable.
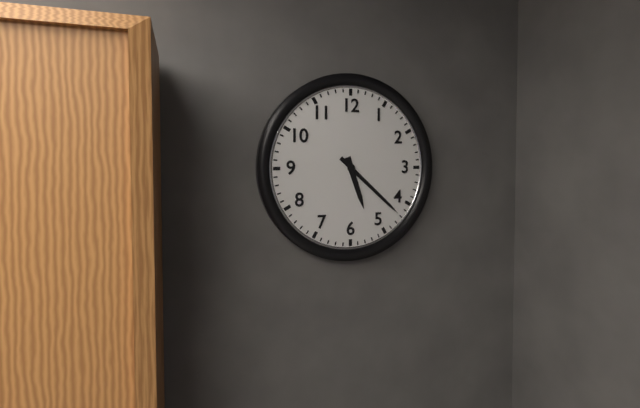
5:22
